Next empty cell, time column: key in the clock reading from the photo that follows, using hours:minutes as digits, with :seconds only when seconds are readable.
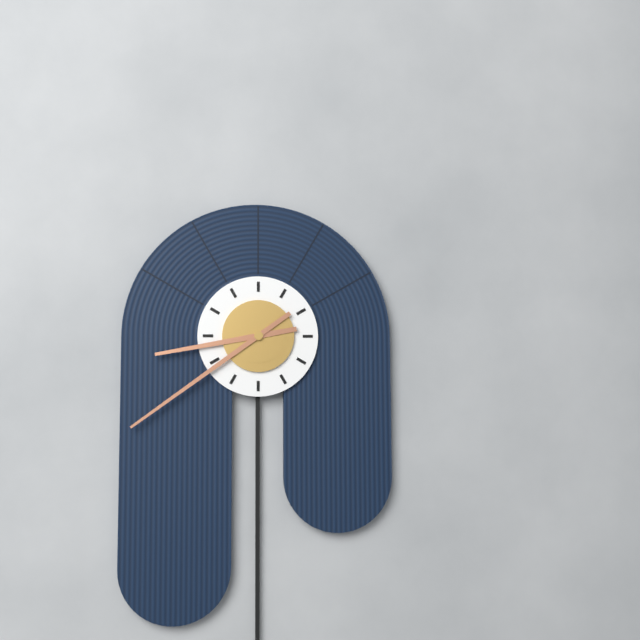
8:39
